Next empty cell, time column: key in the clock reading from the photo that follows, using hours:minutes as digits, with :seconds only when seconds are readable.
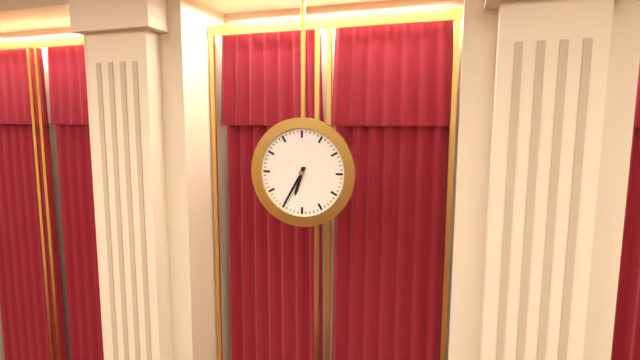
6:35
